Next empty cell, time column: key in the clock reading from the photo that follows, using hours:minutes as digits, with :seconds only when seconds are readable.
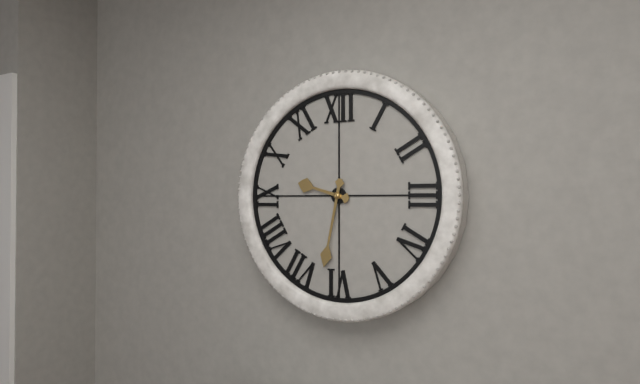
9:32
